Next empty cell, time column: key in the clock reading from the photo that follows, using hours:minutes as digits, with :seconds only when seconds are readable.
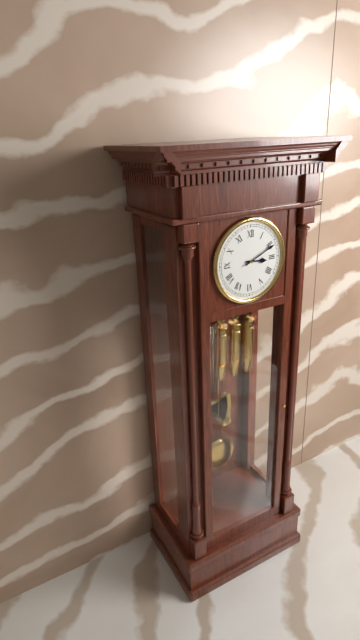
3:11
